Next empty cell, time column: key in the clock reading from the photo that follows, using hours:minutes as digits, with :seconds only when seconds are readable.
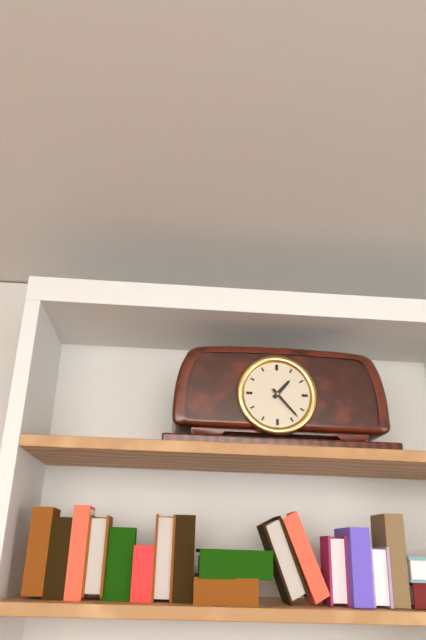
1:23
